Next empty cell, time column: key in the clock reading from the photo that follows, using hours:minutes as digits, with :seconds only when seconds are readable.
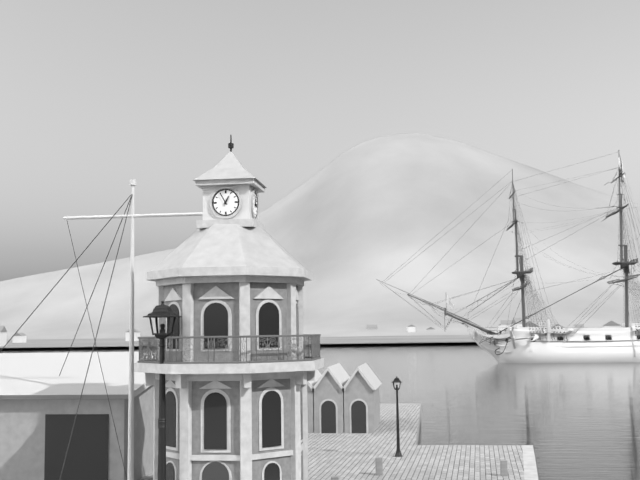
12:55
